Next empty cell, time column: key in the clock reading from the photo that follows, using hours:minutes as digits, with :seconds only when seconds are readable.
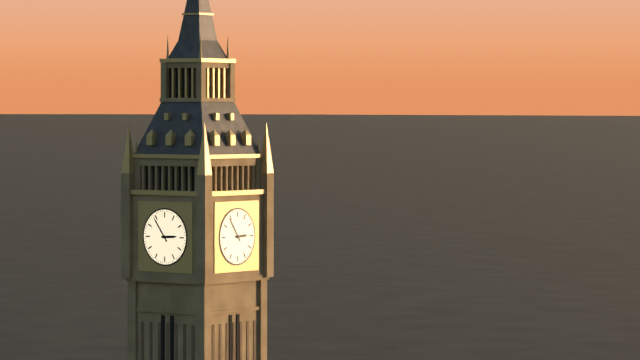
2:54
